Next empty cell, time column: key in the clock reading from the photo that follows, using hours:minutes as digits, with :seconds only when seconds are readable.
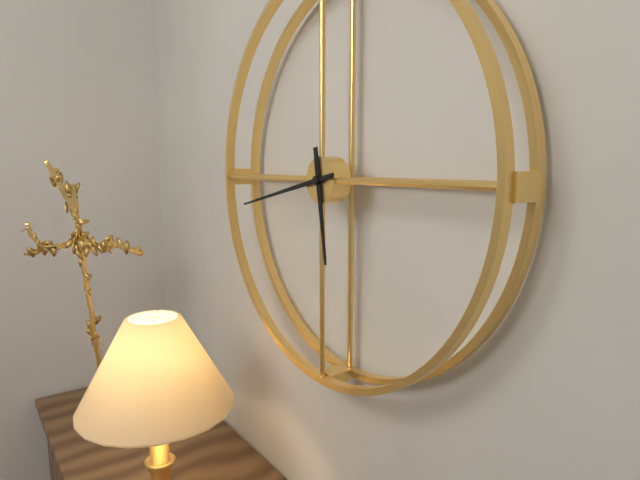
5:43
